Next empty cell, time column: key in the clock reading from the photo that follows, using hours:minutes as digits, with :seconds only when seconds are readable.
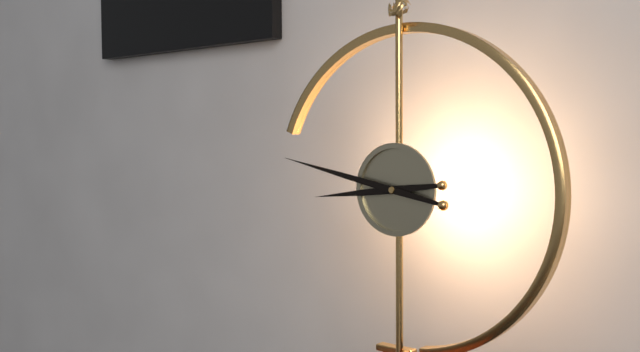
8:47
